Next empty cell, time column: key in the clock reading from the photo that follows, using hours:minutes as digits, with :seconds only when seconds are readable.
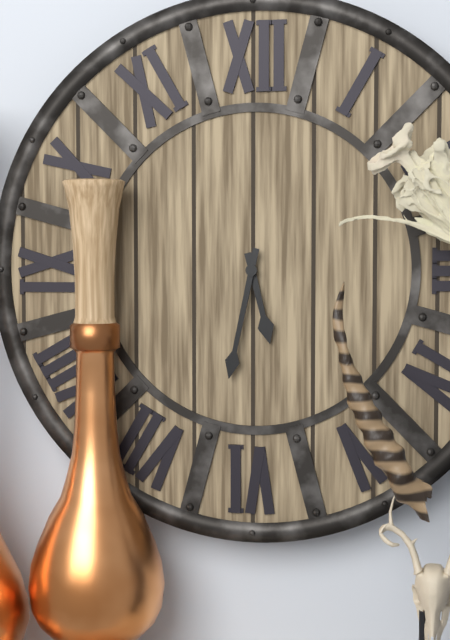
5:32
